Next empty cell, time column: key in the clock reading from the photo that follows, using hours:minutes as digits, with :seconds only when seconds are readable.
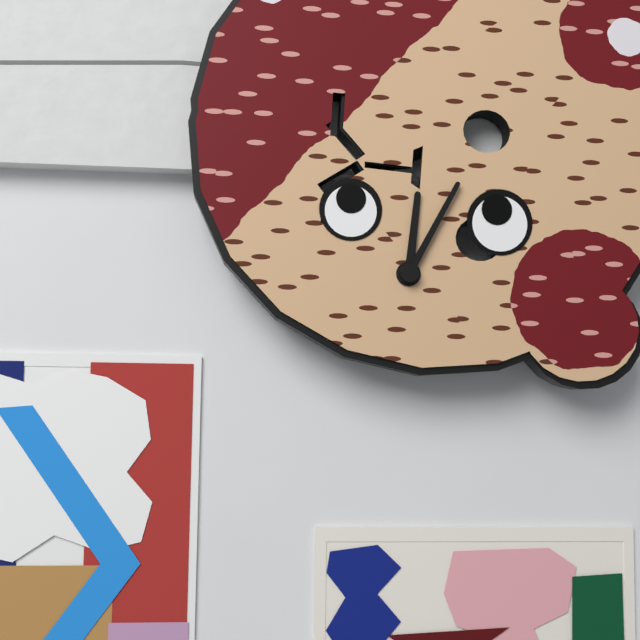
12:04
